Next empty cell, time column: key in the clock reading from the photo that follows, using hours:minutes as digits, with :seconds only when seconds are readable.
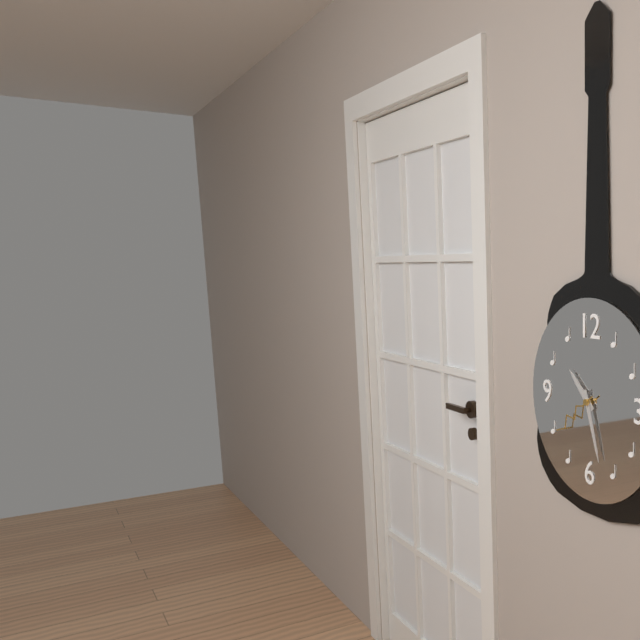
10:27
